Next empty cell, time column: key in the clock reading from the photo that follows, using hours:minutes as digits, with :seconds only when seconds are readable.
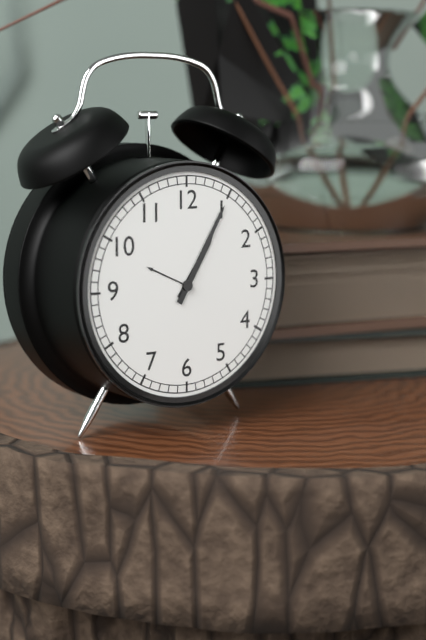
1:05
